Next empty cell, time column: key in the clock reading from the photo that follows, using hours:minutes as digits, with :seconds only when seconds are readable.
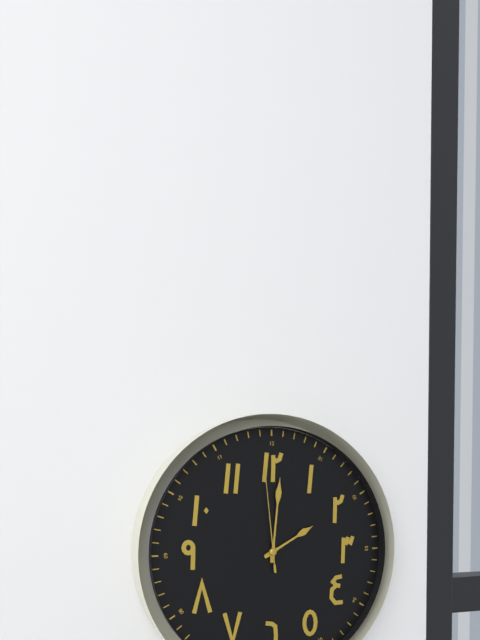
2:01:59
